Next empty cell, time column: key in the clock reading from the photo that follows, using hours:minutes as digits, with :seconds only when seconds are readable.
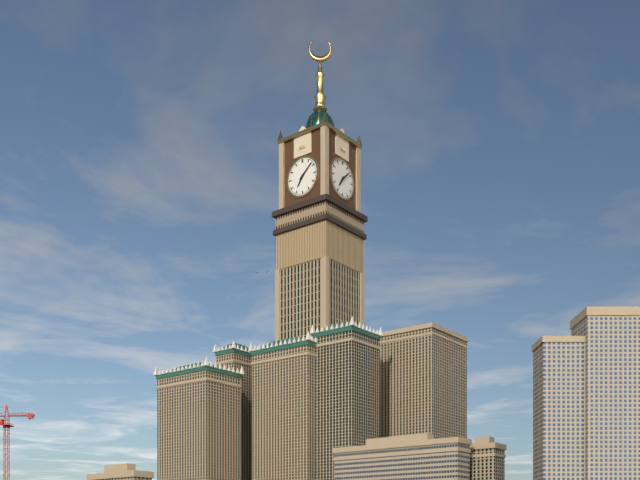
7:08
